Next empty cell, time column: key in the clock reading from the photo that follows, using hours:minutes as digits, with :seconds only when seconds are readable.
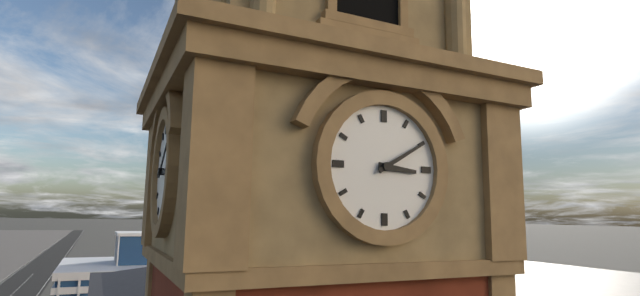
3:10
